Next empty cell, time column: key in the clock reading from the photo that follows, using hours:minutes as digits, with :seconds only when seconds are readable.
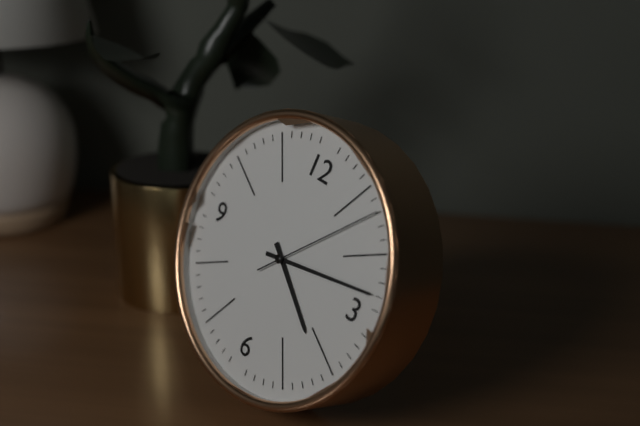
4:13:07
